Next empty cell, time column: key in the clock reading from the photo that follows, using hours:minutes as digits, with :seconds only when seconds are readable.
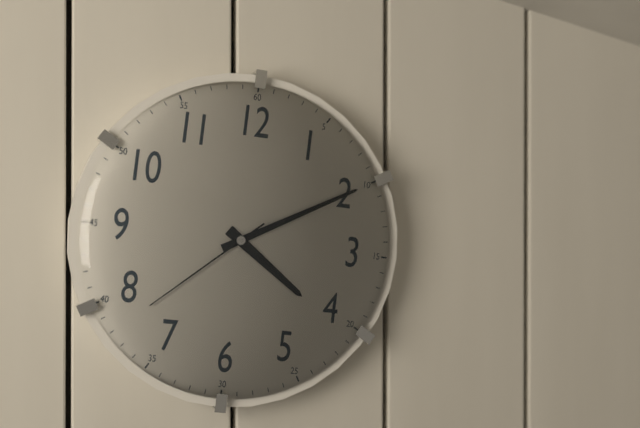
4:10:38
